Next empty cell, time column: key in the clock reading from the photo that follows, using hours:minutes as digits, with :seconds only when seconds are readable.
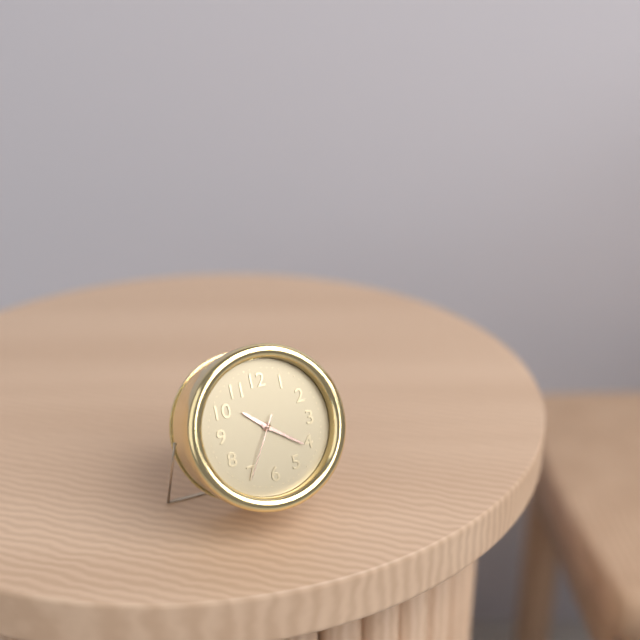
10:21:35
